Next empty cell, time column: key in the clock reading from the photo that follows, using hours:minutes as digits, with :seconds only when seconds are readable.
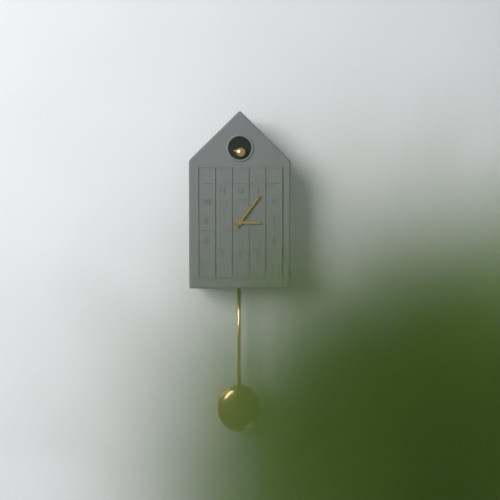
3:06
